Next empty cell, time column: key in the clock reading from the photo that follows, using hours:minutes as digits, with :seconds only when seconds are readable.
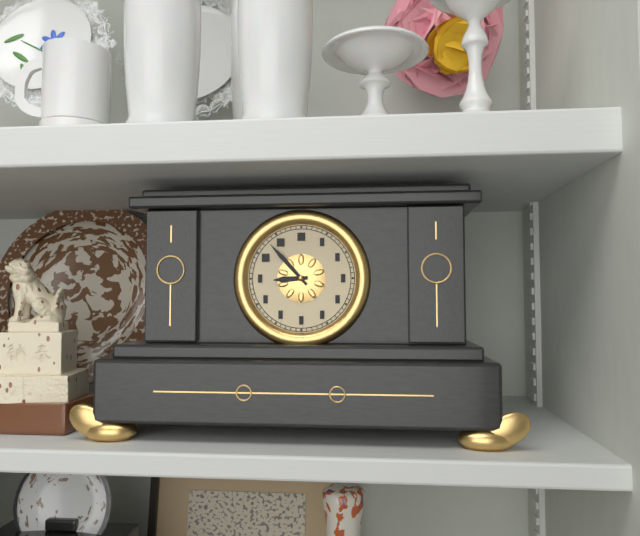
8:53
